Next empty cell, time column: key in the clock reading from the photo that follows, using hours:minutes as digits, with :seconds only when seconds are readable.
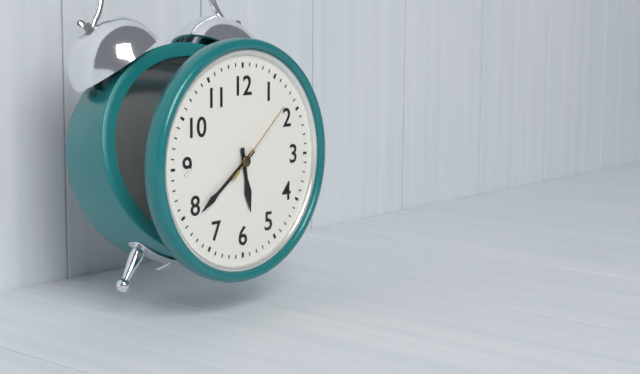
5:39:08
